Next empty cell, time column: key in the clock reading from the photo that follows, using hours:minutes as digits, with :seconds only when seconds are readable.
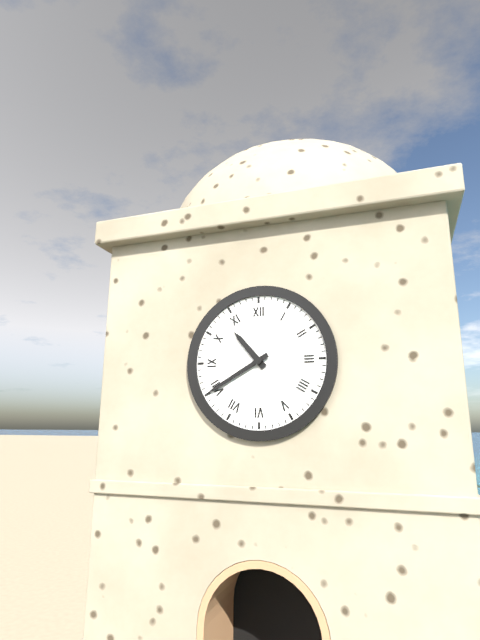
10:40
